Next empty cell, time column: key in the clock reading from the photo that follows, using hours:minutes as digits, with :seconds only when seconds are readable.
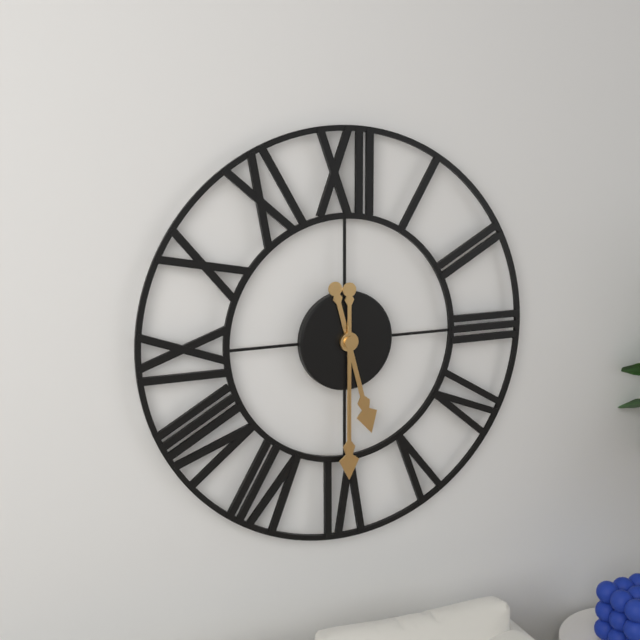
5:30
